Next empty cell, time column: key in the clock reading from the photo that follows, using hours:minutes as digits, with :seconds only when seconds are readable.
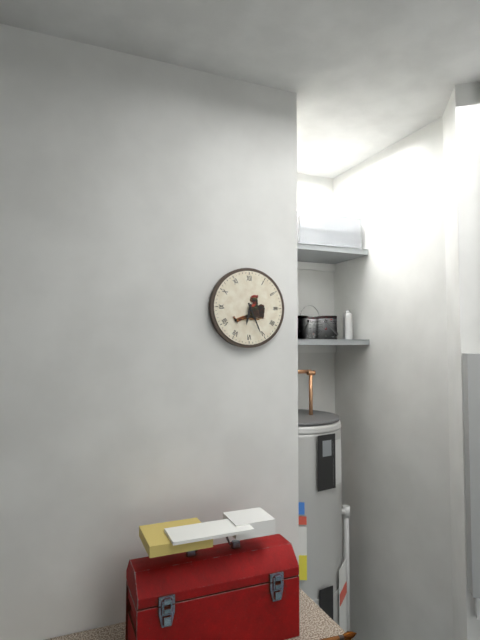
6:26
